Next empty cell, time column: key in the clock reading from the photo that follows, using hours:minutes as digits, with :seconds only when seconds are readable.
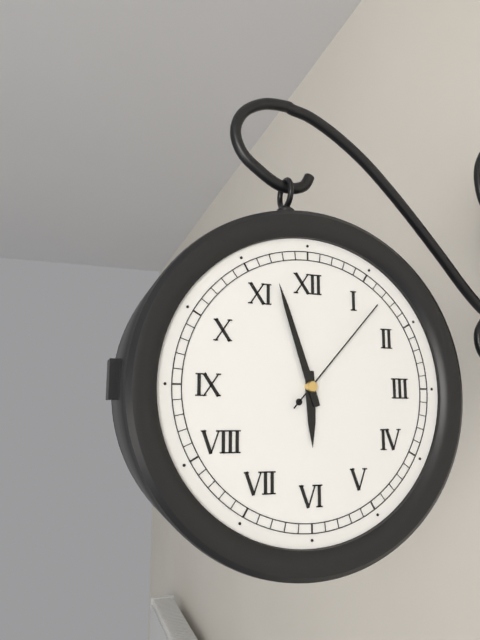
5:57:07
